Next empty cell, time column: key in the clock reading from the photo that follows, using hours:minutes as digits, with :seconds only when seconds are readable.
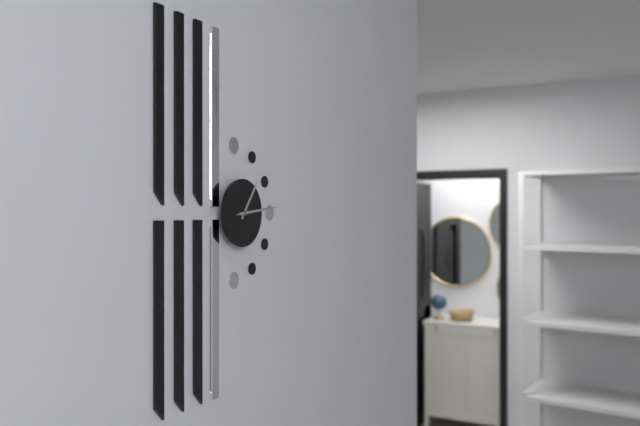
1:14
